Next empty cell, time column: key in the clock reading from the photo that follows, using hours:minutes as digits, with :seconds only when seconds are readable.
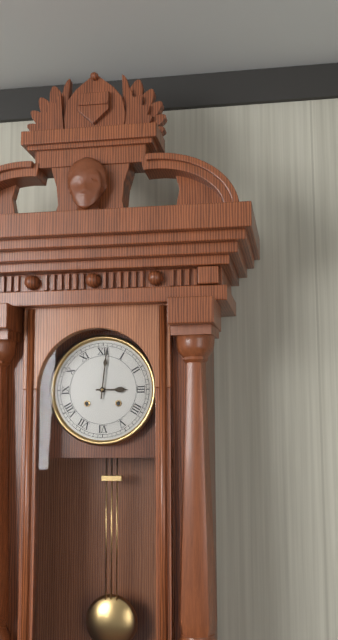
3:01
